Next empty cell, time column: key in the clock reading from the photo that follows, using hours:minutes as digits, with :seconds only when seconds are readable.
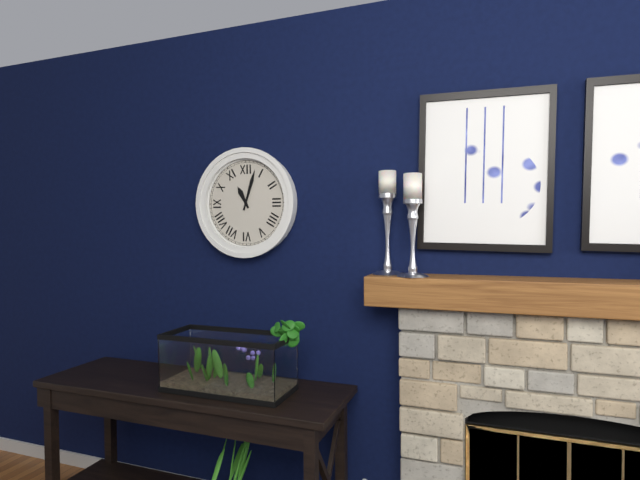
11:03
